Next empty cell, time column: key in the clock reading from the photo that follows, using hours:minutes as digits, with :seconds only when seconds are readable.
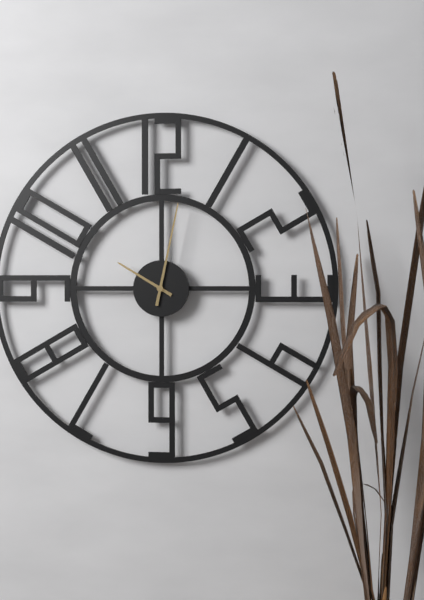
10:02
